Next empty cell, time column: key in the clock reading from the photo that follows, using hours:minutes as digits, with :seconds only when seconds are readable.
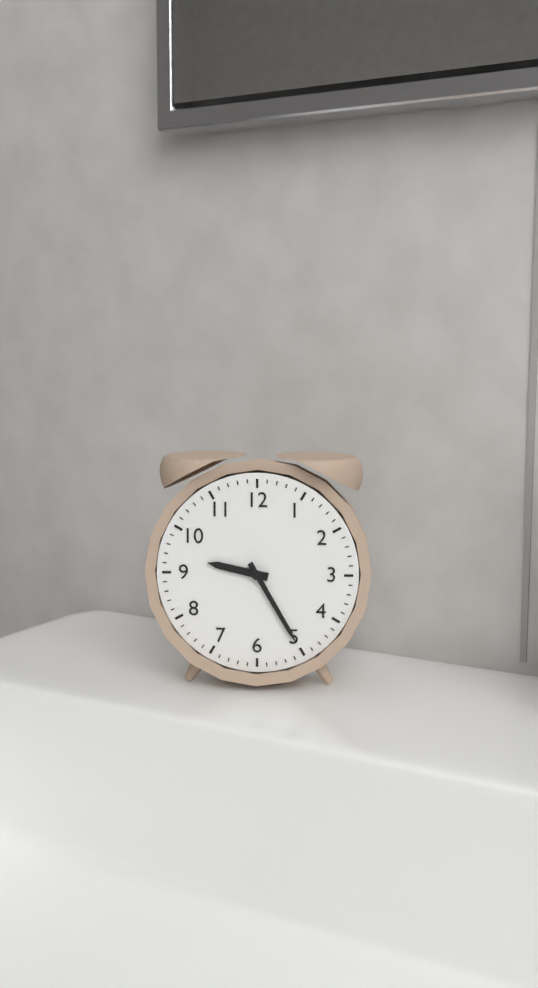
9:25
